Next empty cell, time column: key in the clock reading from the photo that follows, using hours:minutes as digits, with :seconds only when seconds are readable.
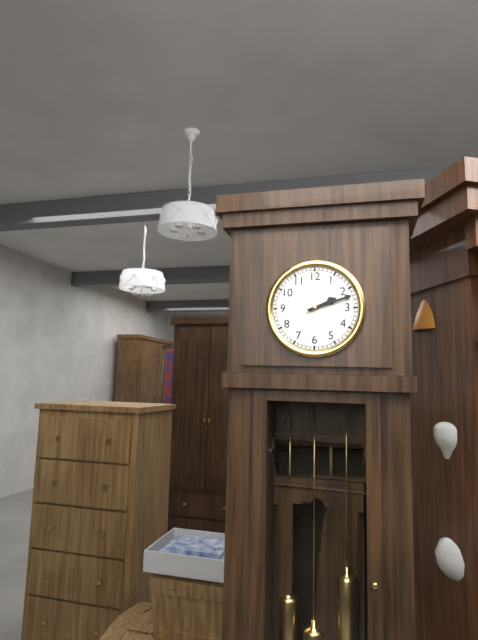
2:12
